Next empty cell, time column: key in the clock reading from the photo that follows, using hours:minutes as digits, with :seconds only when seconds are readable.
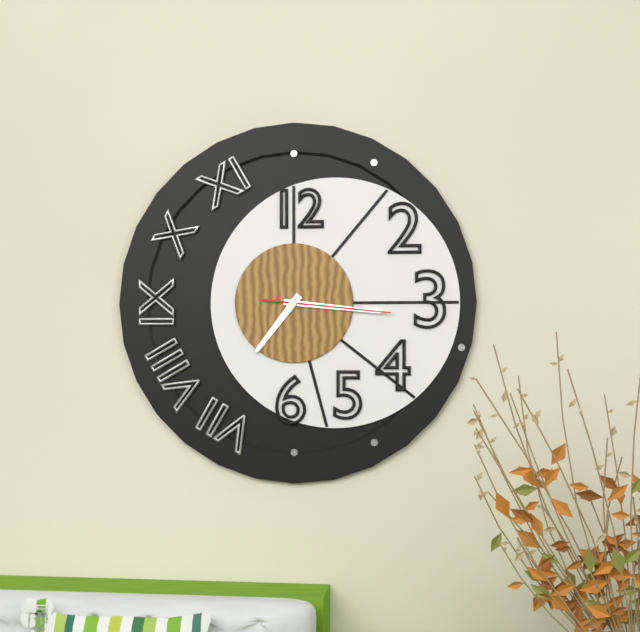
7:16:16
